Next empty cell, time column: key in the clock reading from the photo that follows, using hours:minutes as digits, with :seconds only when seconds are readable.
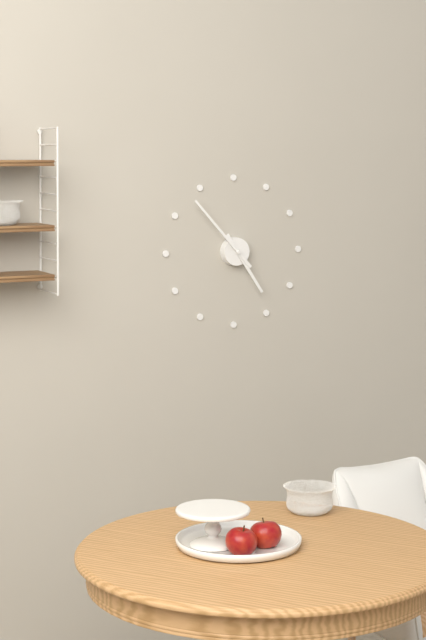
4:53
